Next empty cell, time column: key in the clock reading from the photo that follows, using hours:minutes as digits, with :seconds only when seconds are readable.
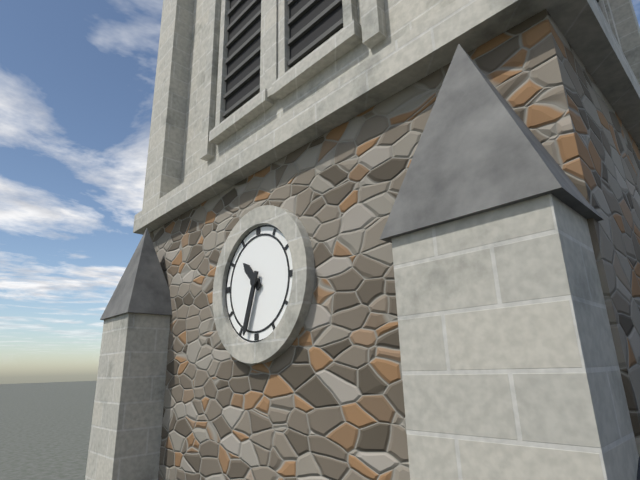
10:33
